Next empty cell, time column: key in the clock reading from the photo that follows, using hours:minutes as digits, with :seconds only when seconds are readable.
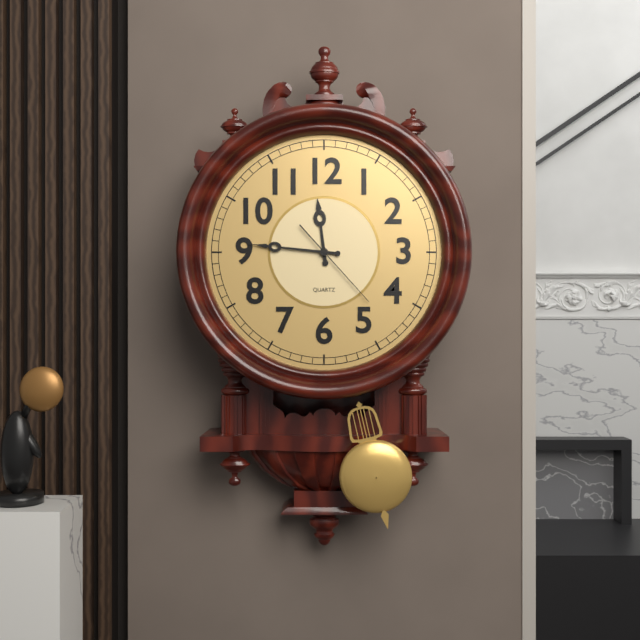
11:46:23
